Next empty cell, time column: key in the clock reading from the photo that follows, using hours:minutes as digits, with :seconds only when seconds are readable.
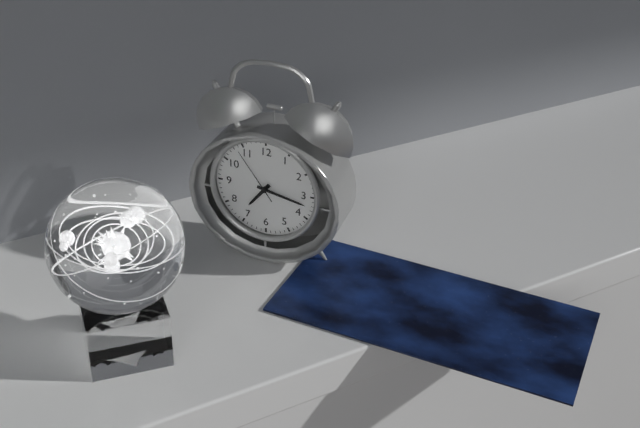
7:17:54
